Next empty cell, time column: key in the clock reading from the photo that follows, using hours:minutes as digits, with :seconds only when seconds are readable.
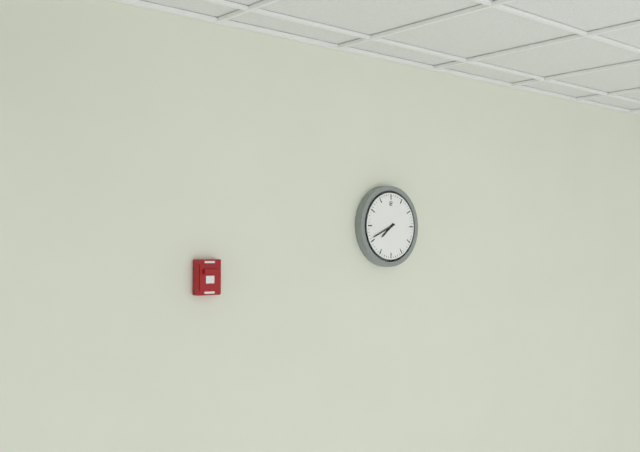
7:41
